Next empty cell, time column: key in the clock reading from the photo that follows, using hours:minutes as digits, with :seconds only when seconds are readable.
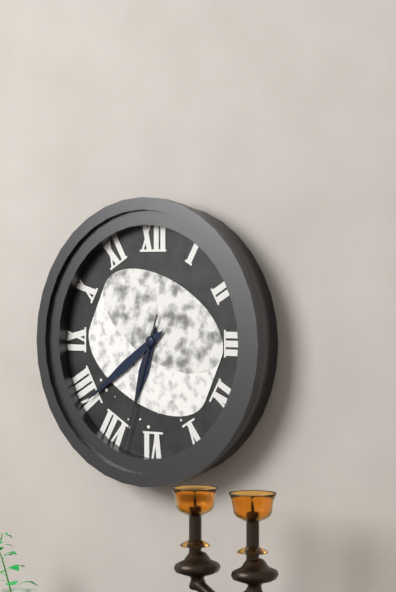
6:39:33
